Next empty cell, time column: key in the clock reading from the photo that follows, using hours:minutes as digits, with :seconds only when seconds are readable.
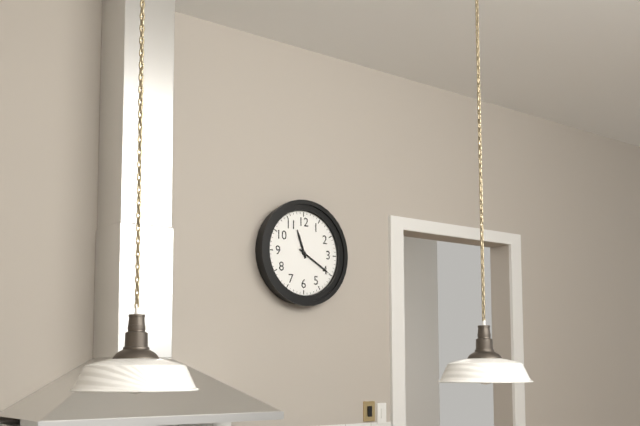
11:20
